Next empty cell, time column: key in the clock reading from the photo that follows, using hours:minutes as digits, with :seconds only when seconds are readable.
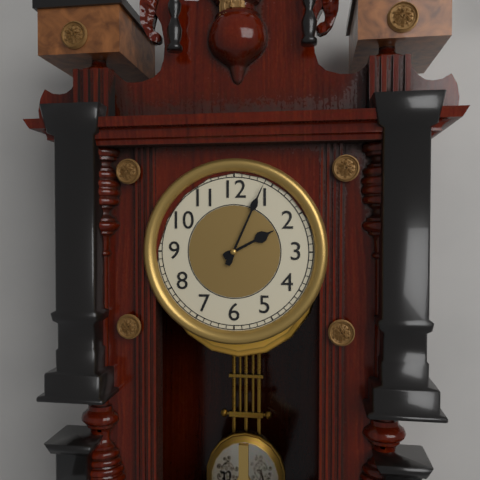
2:04
